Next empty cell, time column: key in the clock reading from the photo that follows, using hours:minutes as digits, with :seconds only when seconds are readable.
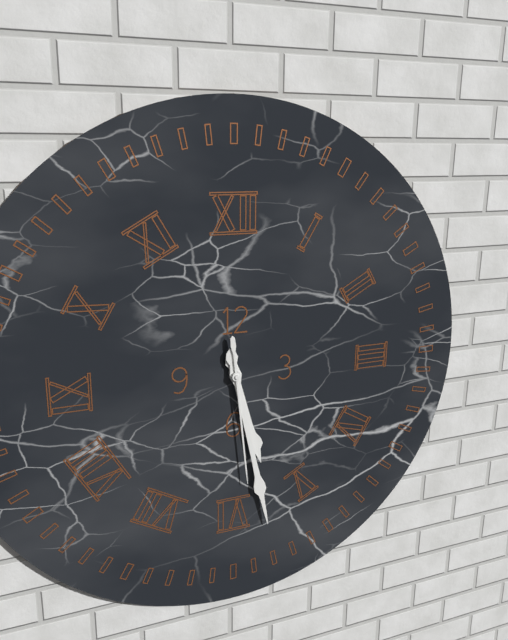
5:28:29
